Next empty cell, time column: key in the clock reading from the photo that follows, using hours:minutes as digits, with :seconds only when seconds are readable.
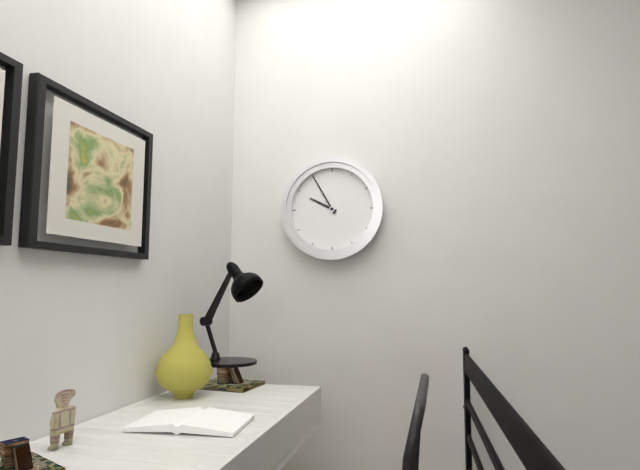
9:55
